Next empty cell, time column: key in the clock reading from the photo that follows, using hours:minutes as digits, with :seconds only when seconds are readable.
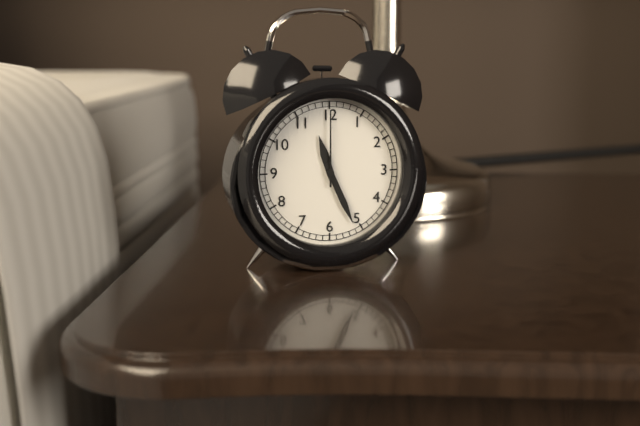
11:26:00
